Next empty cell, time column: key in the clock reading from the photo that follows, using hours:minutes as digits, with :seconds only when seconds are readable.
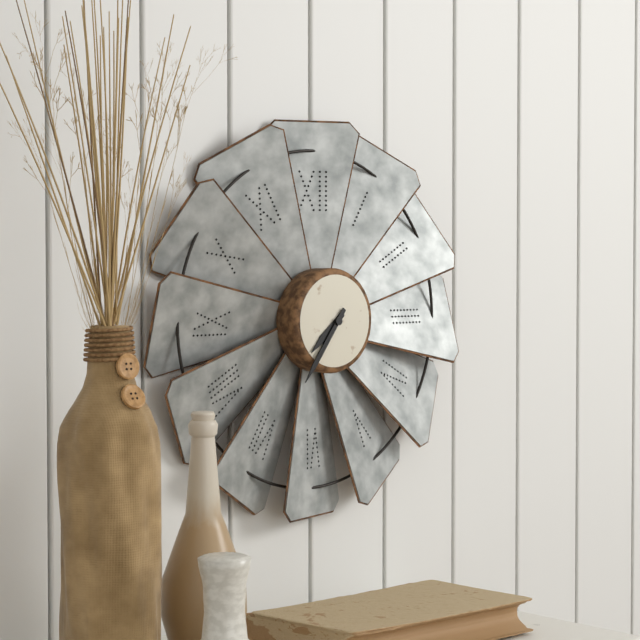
7:36
